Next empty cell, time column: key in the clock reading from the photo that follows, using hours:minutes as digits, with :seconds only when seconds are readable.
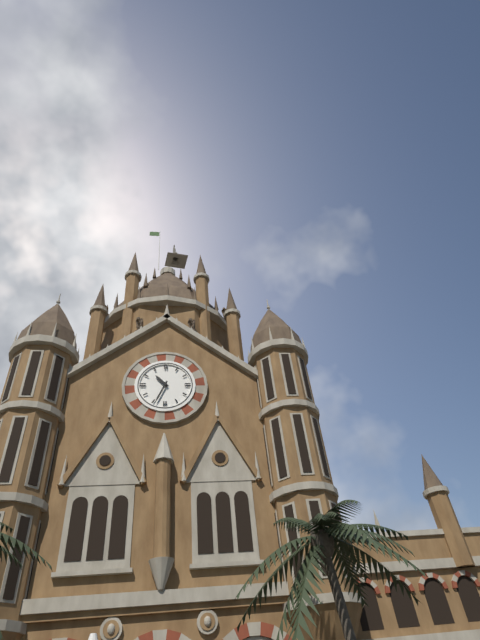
10:34
